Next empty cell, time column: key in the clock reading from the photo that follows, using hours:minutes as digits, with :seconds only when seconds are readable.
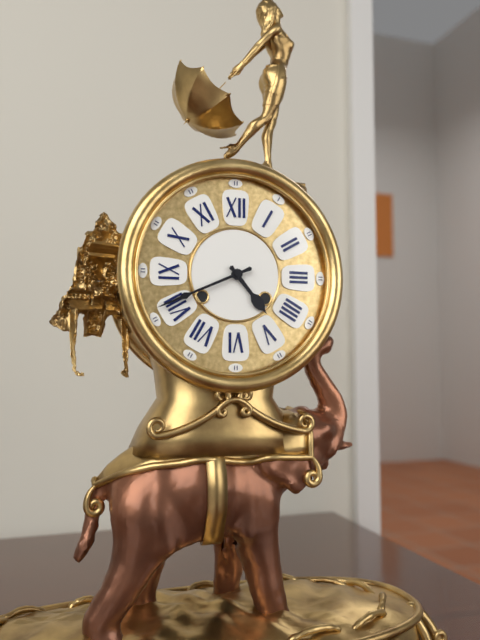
4:41
